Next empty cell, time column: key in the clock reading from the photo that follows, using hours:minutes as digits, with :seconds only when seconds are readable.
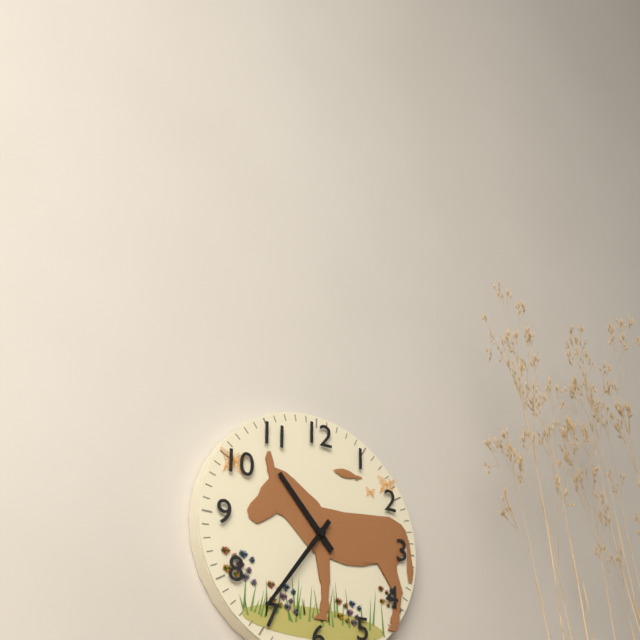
10:36
